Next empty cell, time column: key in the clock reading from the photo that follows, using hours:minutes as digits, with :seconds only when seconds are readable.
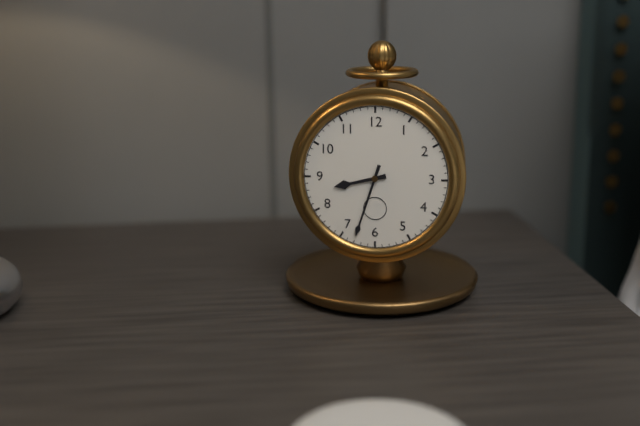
8:33
